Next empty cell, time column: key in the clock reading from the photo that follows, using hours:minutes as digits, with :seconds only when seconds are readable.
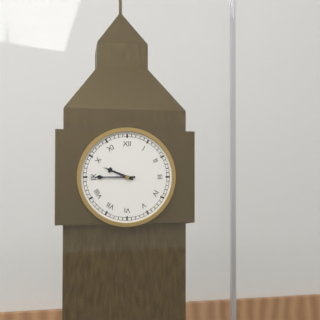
9:45
